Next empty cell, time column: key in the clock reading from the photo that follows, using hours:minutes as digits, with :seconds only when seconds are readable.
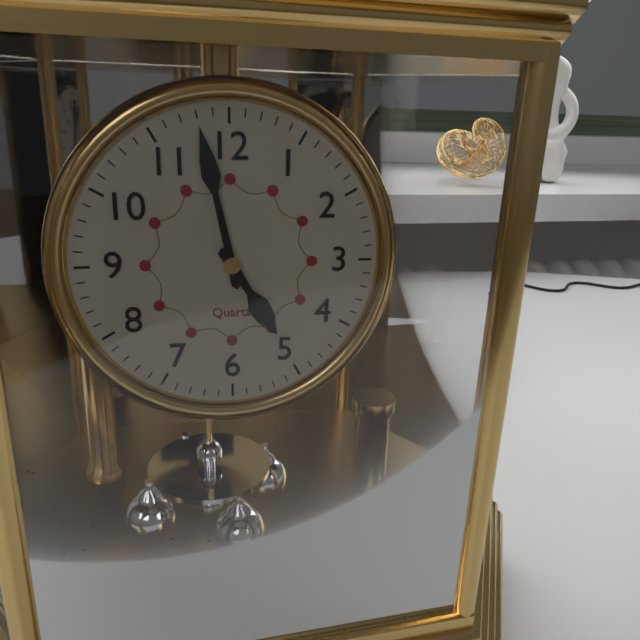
4:58
